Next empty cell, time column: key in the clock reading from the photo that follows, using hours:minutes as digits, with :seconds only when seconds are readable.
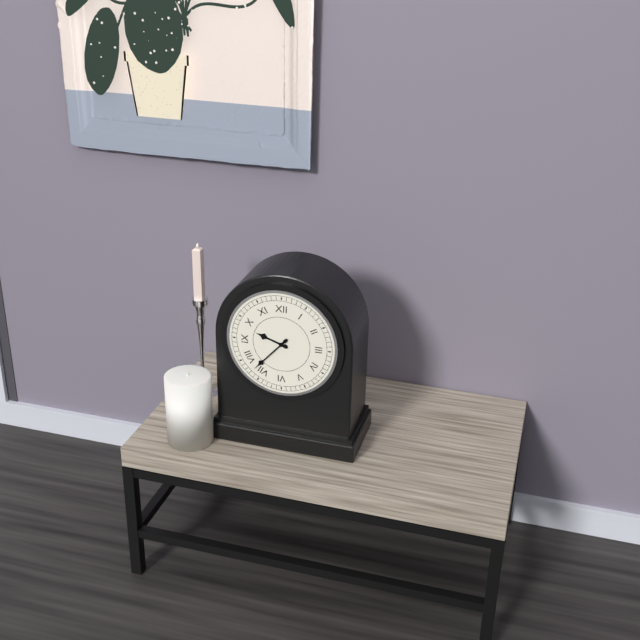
9:37
